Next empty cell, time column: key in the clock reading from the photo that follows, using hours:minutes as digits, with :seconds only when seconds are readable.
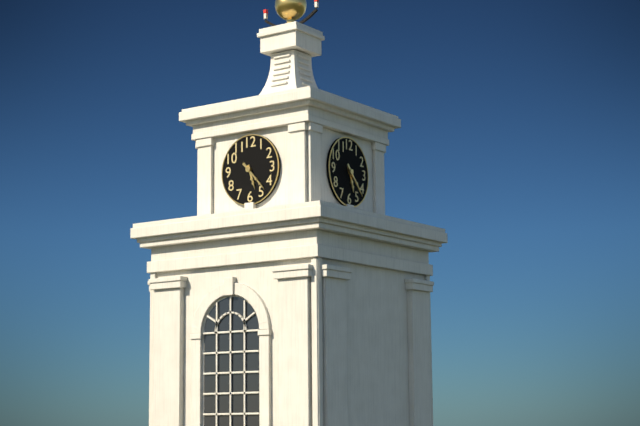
5:23
